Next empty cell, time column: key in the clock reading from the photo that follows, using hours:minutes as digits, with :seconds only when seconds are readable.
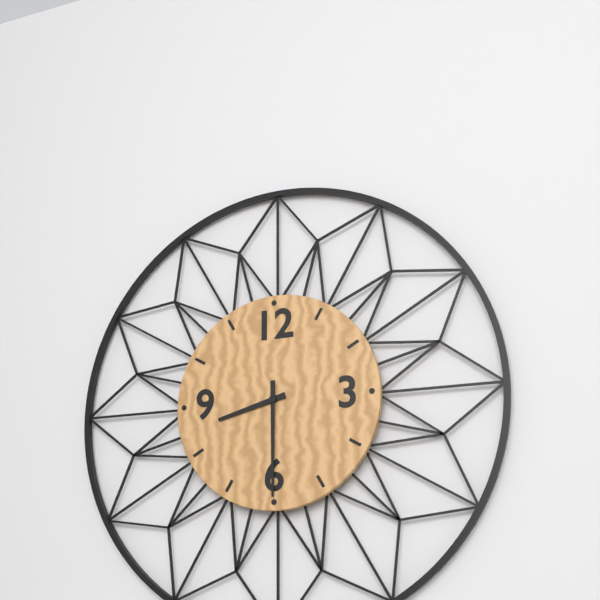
8:30
